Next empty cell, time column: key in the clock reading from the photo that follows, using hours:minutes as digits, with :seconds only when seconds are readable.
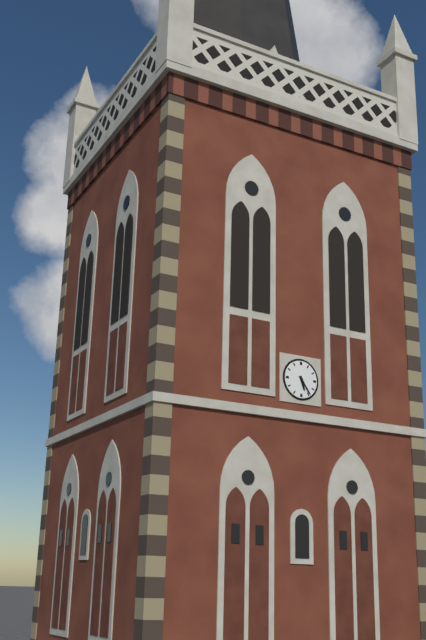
5:24
